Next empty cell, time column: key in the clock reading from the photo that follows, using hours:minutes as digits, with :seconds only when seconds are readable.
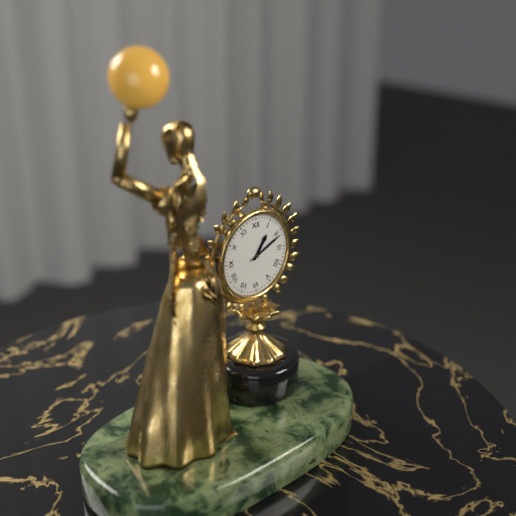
1:11
